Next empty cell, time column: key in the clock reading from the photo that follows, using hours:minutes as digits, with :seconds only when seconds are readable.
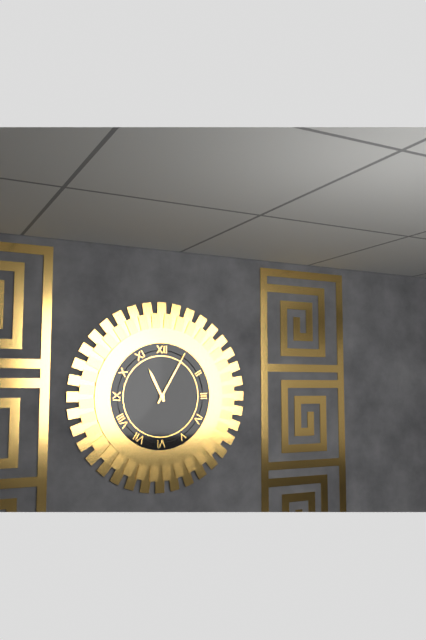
11:05
